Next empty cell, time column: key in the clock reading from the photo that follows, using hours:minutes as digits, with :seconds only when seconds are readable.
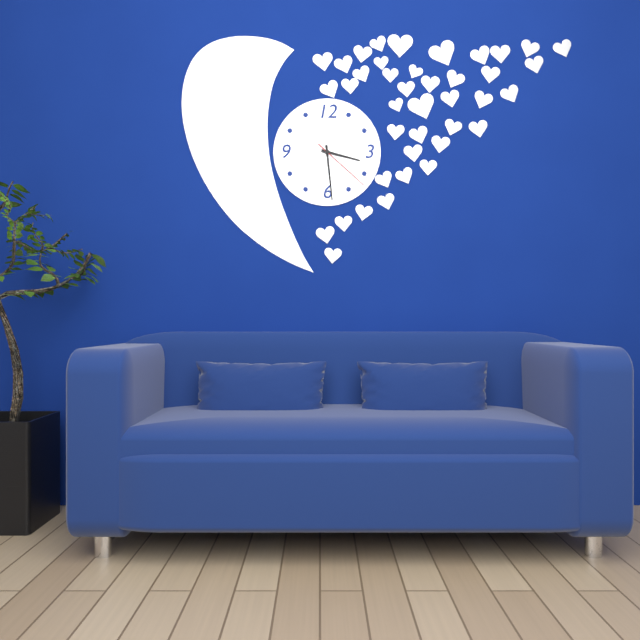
3:29:22
